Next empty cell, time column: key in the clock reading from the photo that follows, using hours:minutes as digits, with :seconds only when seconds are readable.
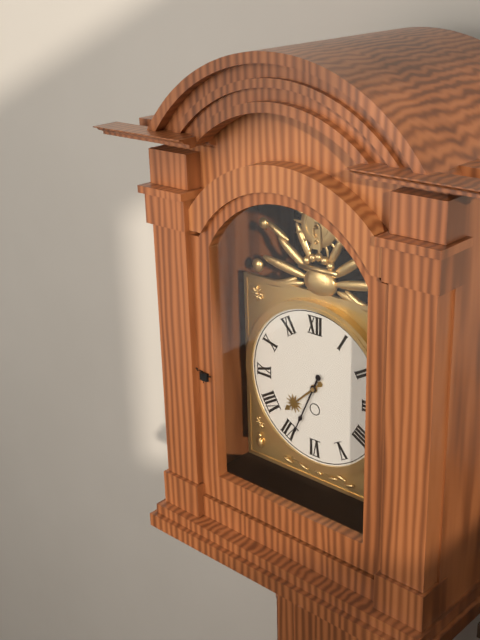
7:34
